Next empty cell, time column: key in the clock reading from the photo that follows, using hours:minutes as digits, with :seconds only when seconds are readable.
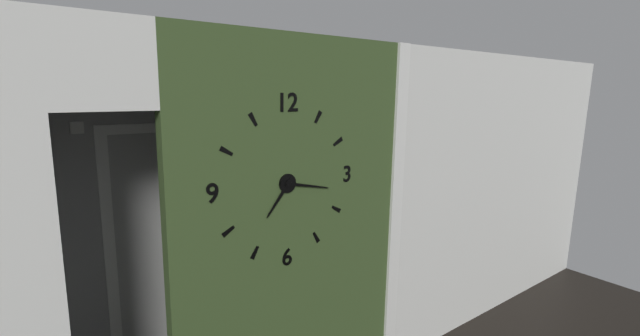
7:17
